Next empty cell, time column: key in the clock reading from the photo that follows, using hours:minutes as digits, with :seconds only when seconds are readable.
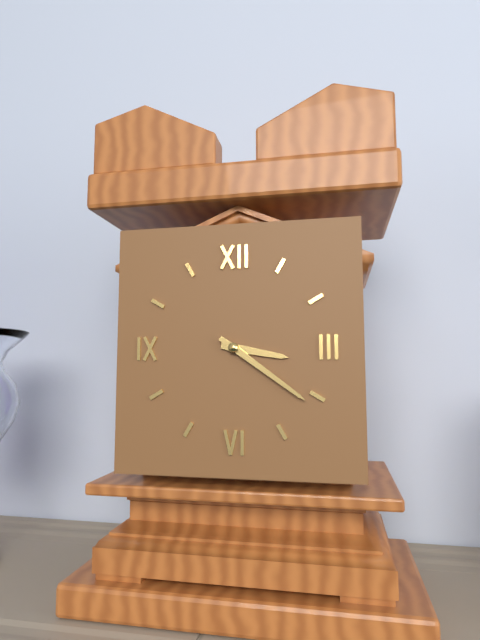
3:21
